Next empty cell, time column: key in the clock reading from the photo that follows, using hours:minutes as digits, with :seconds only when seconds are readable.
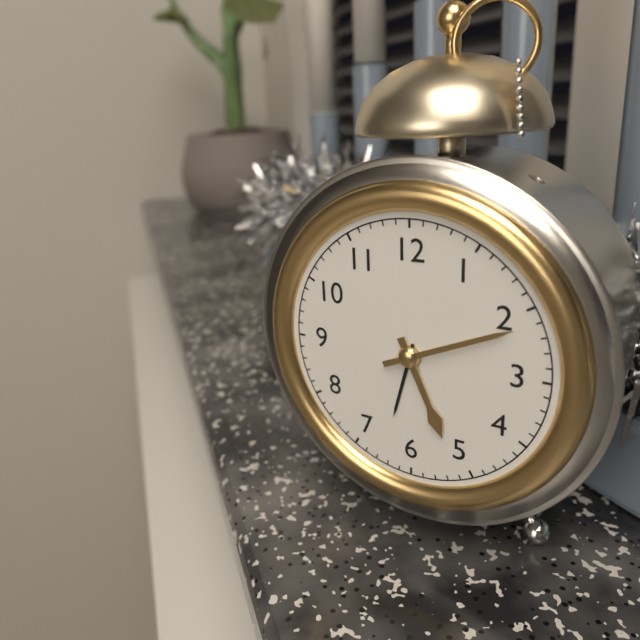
5:11
